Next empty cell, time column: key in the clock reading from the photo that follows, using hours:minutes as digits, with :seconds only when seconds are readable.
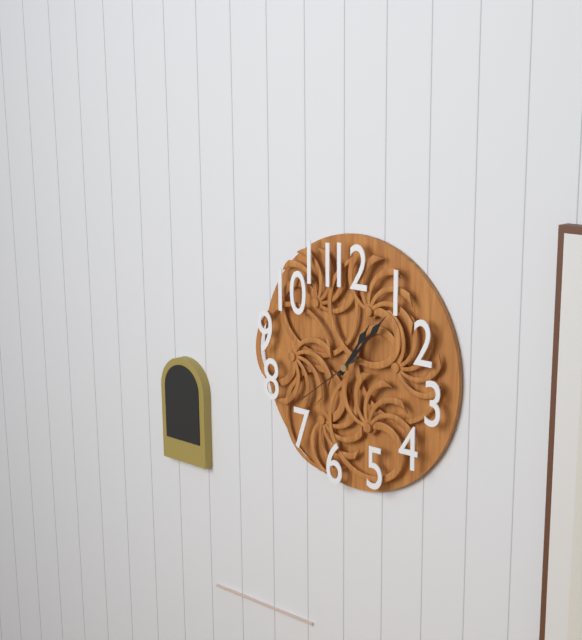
1:07:39
